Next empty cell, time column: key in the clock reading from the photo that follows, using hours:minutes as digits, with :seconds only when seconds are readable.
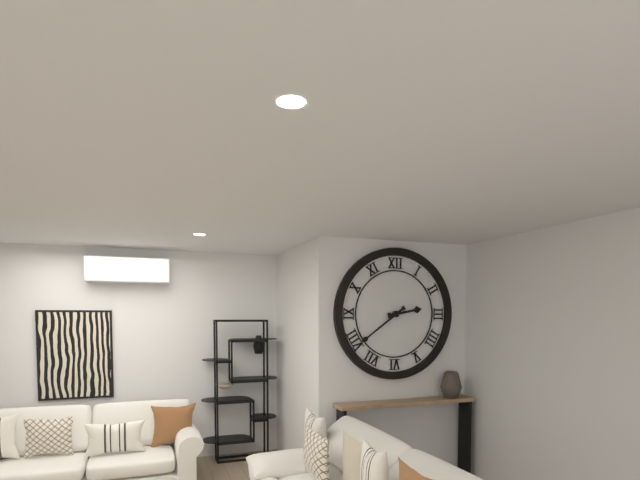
2:39
